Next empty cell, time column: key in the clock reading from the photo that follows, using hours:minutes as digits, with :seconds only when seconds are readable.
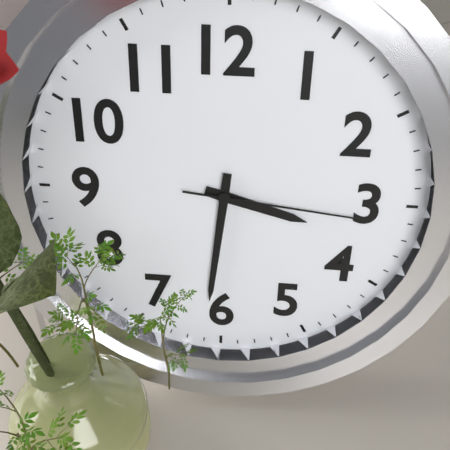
3:31:16
